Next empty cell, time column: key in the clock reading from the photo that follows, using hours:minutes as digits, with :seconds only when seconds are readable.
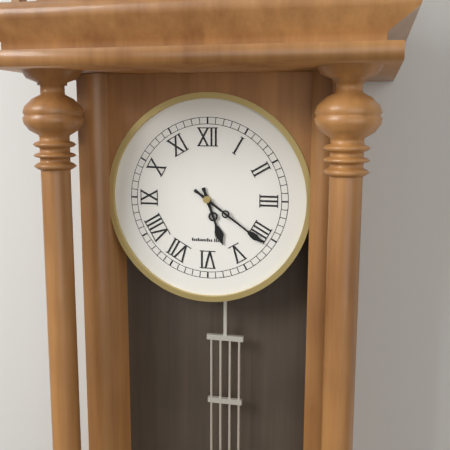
5:21
